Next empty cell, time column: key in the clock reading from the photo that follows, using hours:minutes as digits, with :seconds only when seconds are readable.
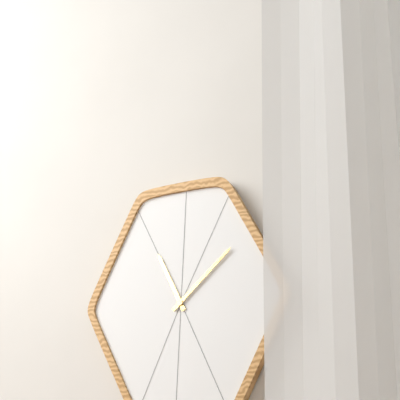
11:08
